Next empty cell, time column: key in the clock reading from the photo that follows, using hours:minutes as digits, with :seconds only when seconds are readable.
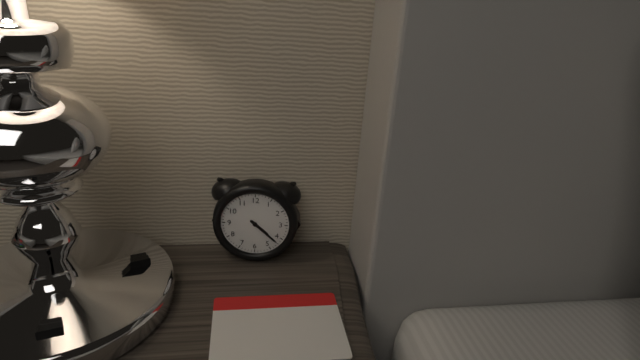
4:22
